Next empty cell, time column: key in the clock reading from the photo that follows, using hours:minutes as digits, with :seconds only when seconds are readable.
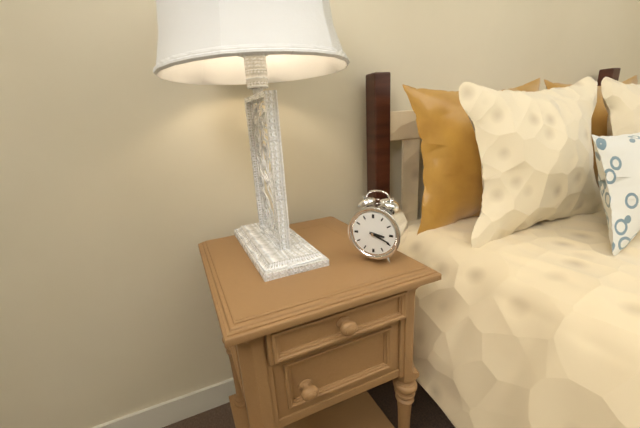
3:19
